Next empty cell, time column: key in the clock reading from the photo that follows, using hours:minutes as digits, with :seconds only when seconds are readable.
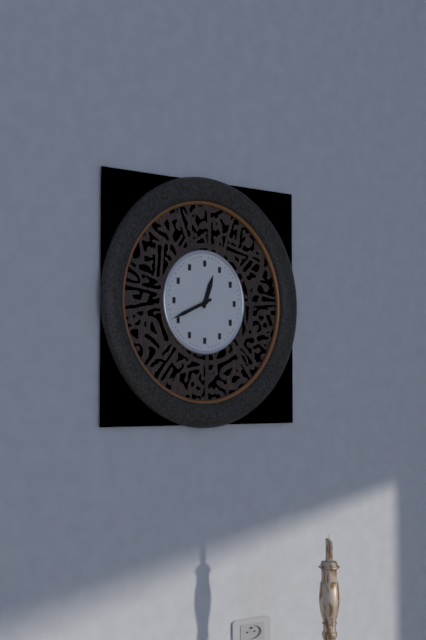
12:41
